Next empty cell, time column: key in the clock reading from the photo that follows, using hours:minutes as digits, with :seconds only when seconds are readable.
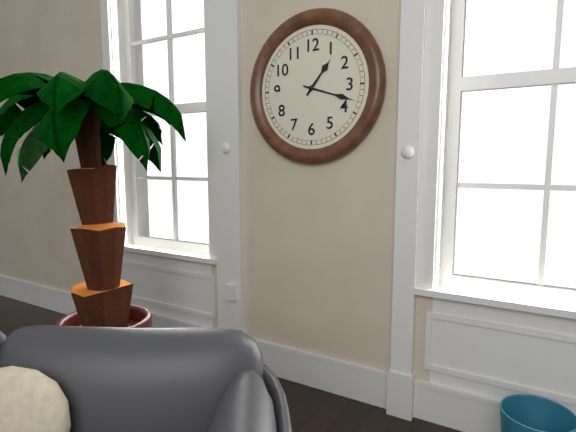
1:18
